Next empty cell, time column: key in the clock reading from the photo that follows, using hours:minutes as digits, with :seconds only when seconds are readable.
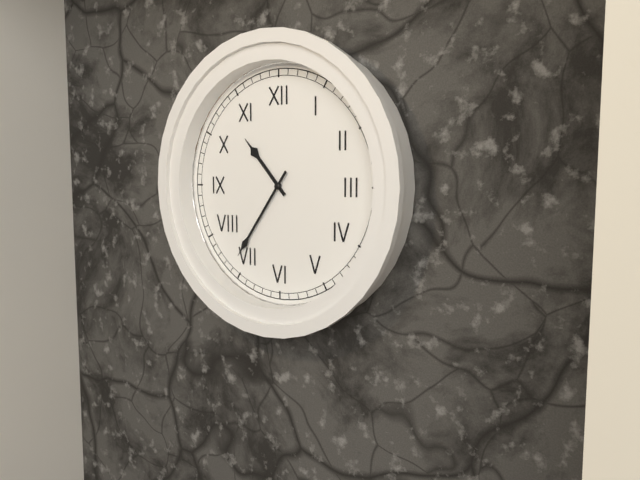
10:36
